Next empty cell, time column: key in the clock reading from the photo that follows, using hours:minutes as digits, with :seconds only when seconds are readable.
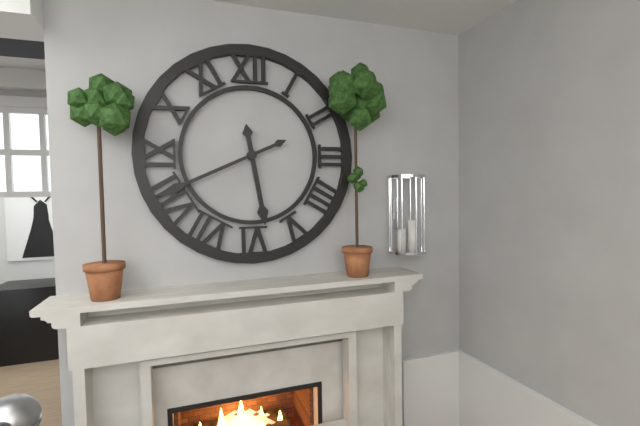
5:41
